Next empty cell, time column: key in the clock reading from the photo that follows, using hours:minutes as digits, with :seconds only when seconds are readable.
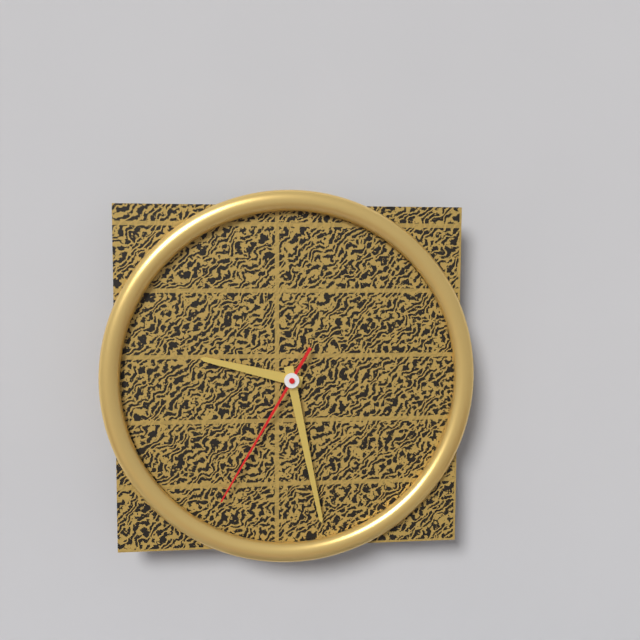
9:28:35
